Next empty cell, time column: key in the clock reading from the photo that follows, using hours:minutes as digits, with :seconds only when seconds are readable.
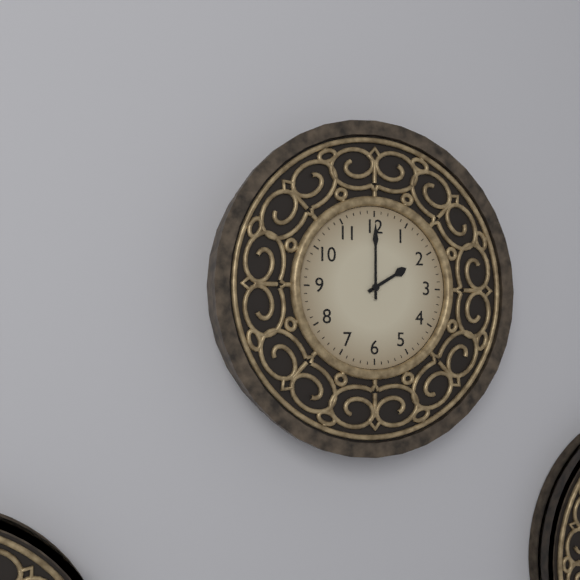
2:00
